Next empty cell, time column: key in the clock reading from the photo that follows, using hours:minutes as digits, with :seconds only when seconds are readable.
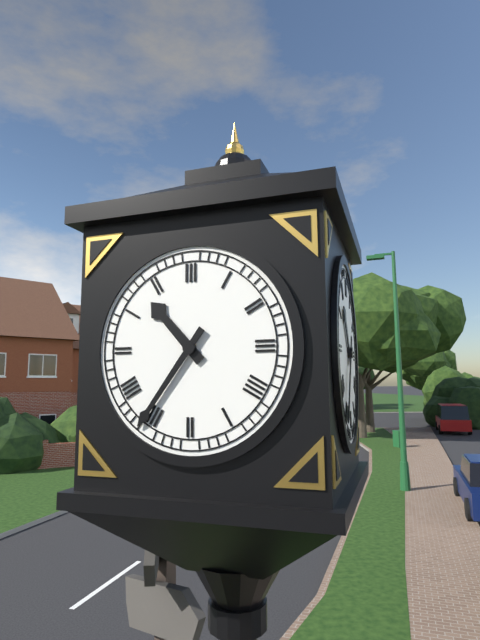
10:36
